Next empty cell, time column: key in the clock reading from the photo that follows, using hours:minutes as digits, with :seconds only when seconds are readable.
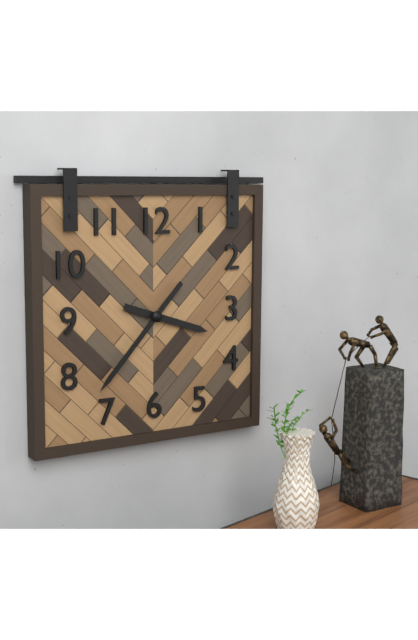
3:37
